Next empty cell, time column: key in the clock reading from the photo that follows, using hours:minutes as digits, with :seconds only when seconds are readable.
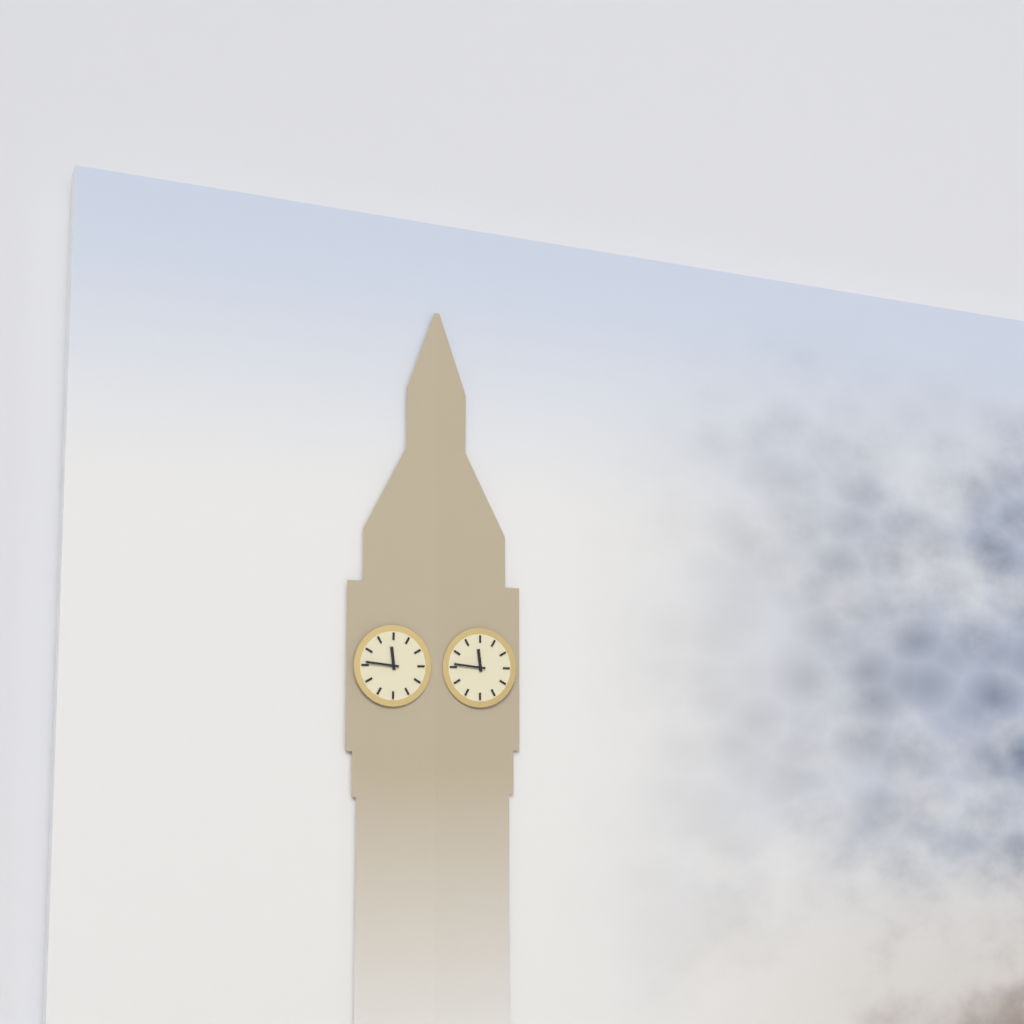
11:46
